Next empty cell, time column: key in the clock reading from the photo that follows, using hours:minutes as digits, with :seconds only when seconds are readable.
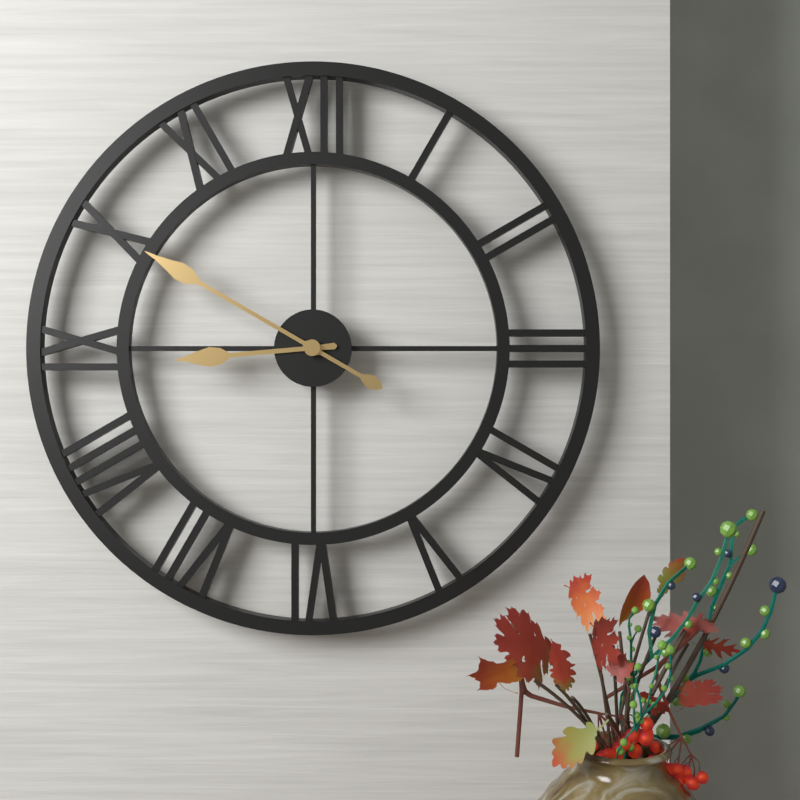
8:50
